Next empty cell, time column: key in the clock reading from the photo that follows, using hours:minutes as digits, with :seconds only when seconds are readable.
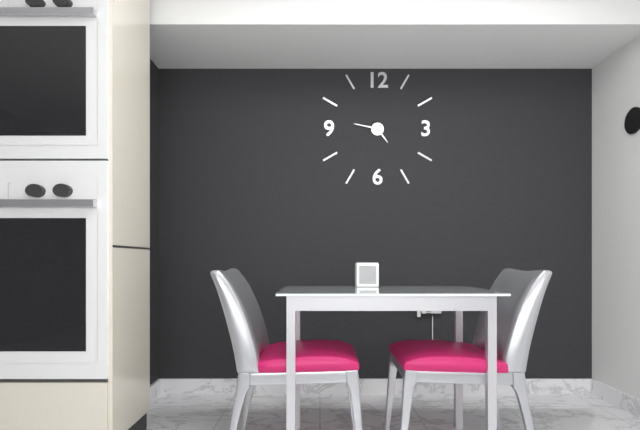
4:47
